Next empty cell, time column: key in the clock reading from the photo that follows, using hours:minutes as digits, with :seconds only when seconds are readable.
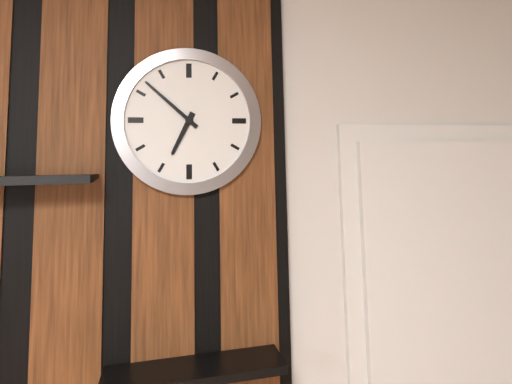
6:52
